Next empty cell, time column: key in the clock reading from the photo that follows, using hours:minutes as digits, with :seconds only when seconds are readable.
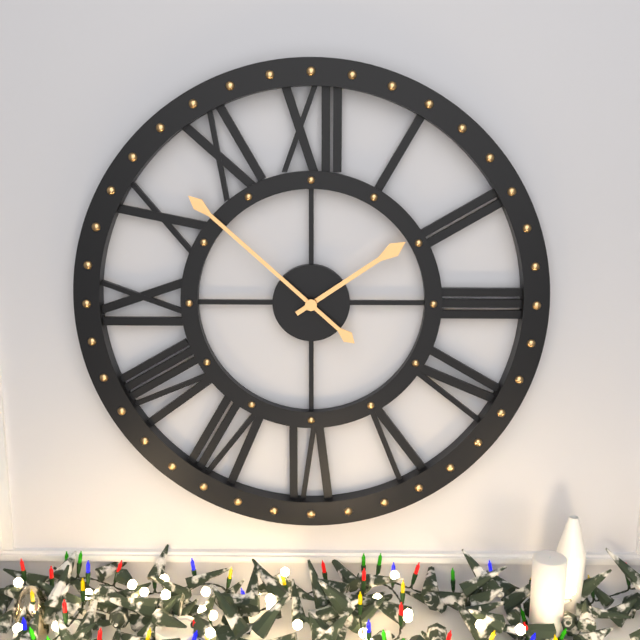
1:52
